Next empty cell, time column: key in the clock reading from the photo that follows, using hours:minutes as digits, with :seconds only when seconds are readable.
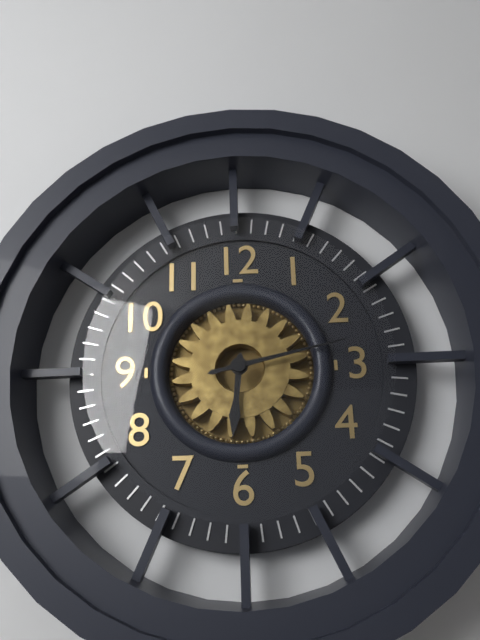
6:13
